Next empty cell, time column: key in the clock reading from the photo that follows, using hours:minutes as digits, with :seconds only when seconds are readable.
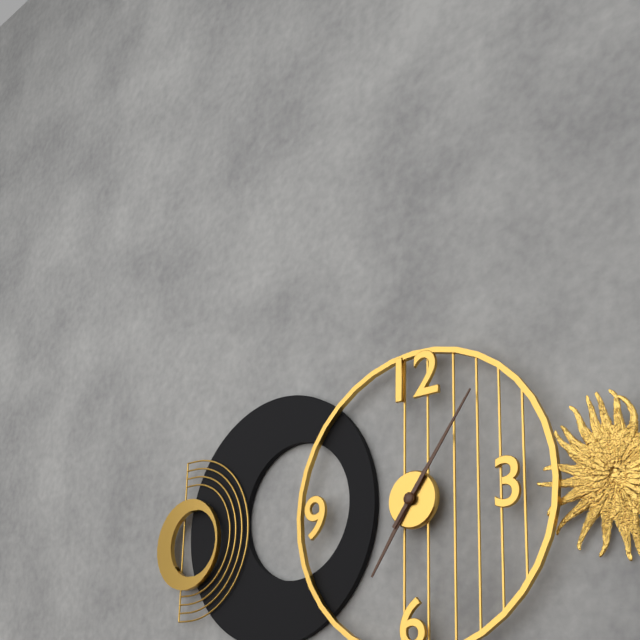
7:06
